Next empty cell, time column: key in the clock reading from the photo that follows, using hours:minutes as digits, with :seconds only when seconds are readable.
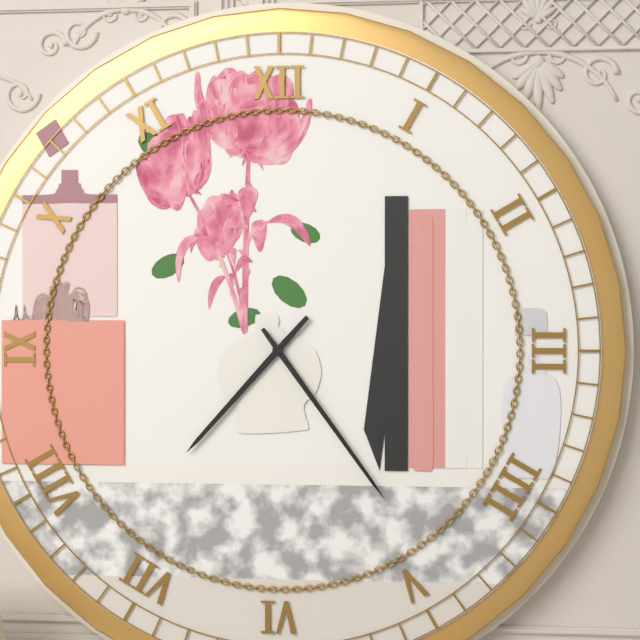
7:24
